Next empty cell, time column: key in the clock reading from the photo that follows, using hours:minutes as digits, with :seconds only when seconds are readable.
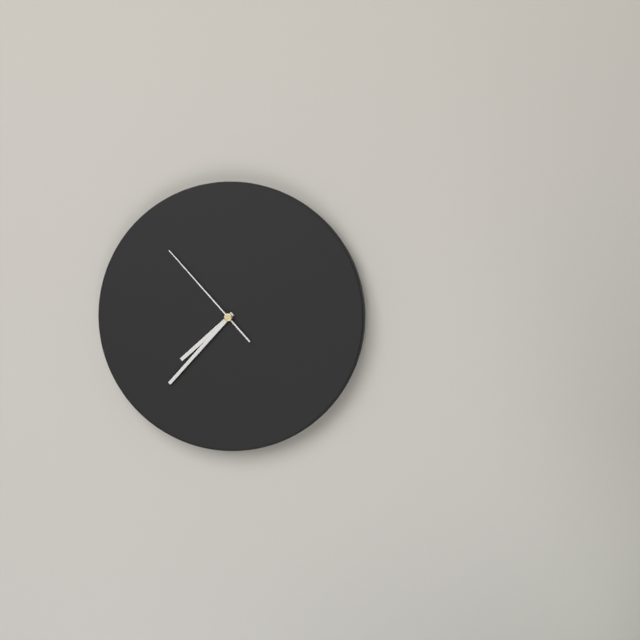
7:37:53
